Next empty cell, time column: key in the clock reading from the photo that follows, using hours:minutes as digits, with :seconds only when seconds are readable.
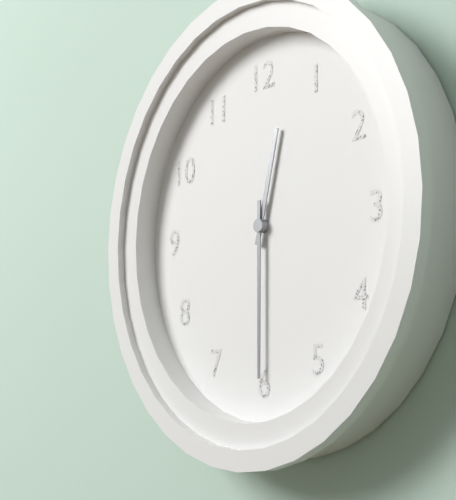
12:30
